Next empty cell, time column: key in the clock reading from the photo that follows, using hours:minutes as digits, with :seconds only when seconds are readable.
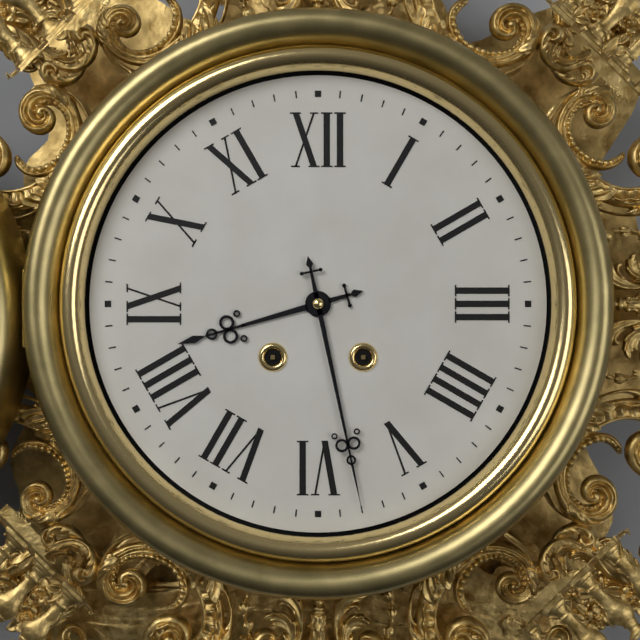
8:28
